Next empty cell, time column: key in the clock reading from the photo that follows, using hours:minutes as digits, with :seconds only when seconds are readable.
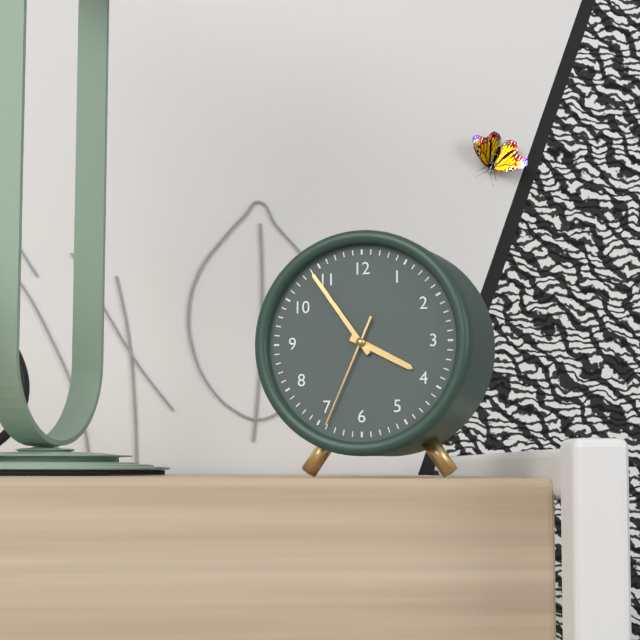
3:54:34
